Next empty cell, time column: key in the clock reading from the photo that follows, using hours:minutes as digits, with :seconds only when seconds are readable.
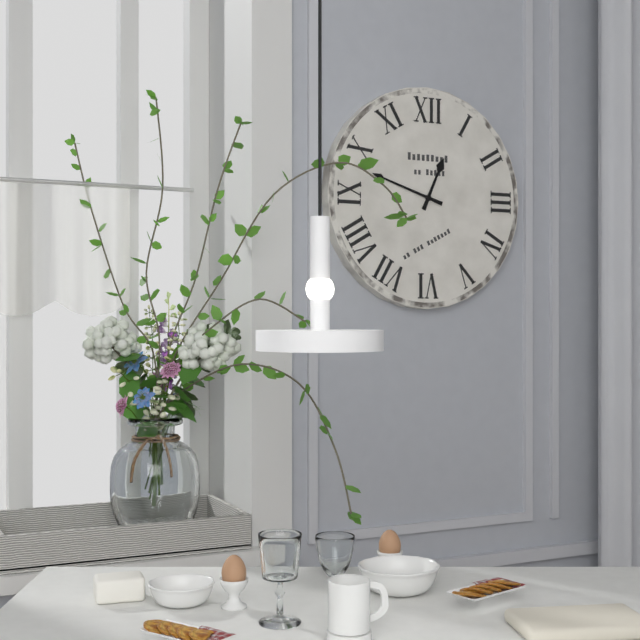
12:48
